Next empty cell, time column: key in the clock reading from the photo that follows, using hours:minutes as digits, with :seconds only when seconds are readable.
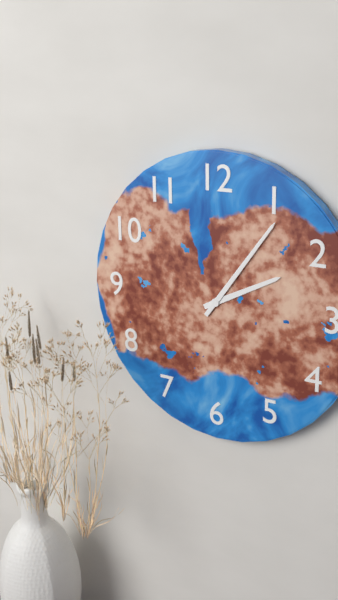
2:06
